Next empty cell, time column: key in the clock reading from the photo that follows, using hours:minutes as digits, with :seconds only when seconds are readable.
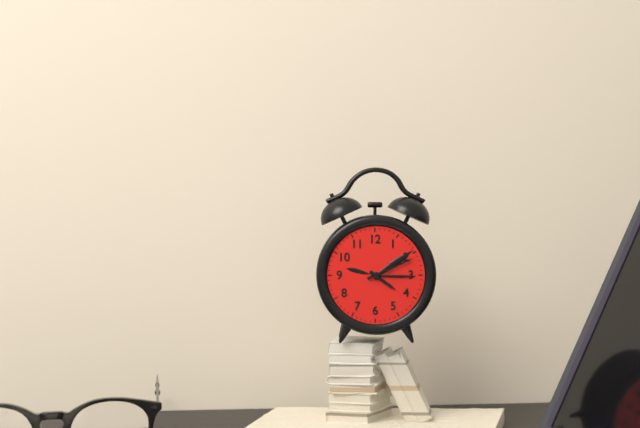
4:11
